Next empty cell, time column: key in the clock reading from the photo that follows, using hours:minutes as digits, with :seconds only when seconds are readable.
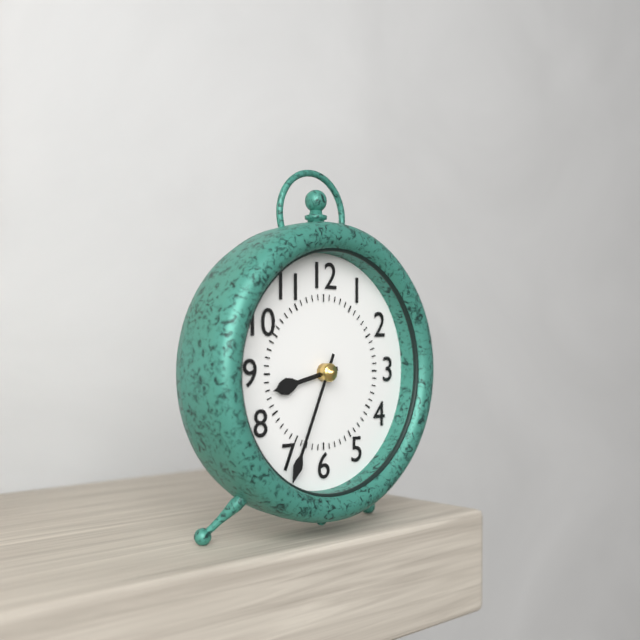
8:34
